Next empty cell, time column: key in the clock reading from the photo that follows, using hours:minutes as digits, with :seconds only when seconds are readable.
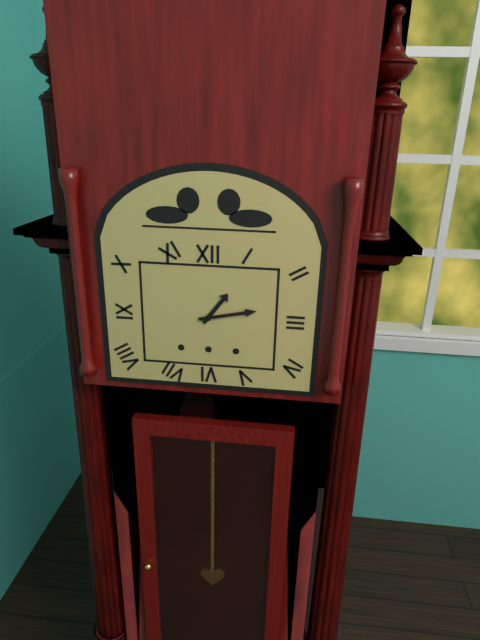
1:13
